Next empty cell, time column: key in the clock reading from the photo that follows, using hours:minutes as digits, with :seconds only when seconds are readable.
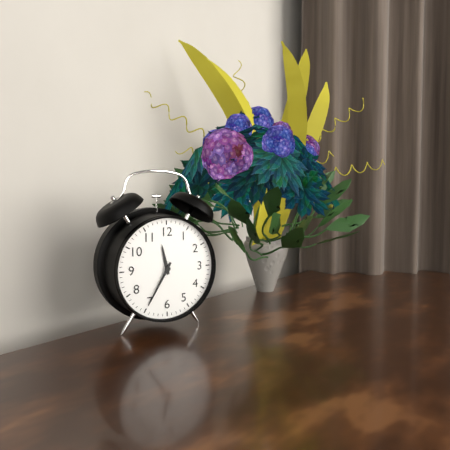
11:35
